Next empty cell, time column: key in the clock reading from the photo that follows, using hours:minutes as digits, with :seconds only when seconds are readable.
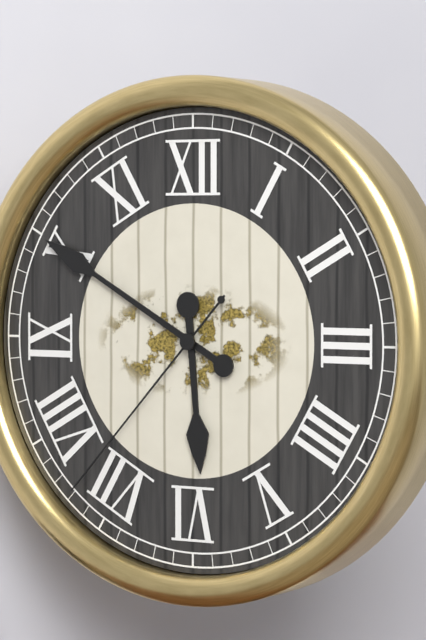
5:50:37
